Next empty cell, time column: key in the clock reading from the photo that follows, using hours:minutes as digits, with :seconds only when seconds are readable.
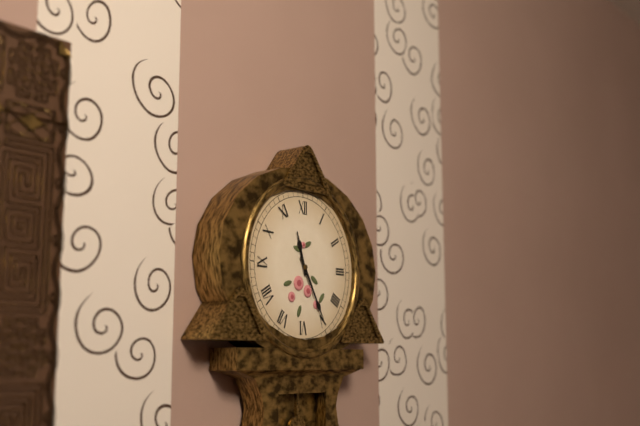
11:25
